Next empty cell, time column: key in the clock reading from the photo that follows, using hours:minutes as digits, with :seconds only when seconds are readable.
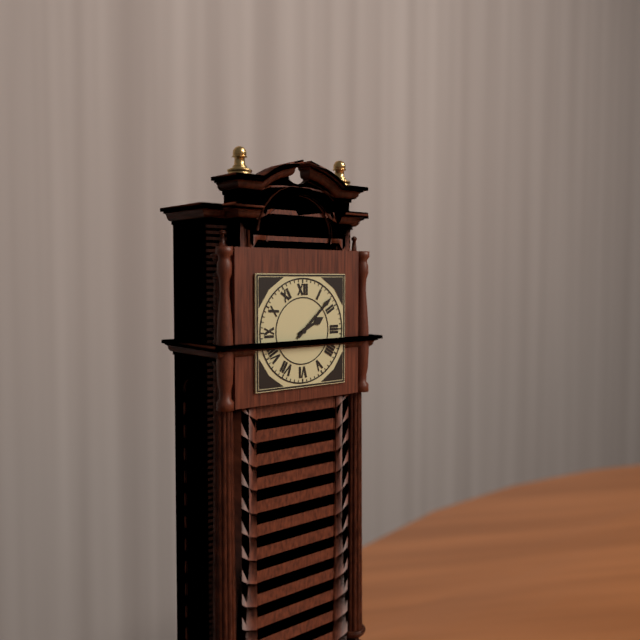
2:08
